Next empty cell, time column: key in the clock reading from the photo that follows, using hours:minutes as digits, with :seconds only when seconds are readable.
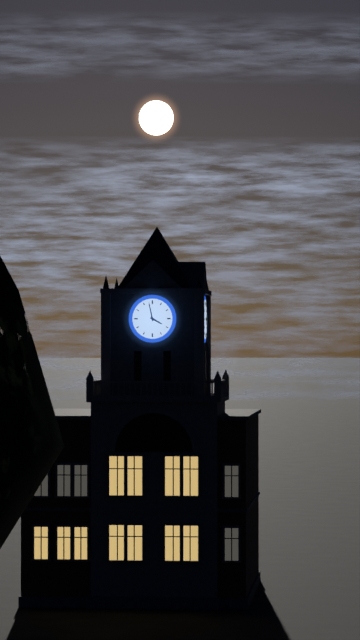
3:58
